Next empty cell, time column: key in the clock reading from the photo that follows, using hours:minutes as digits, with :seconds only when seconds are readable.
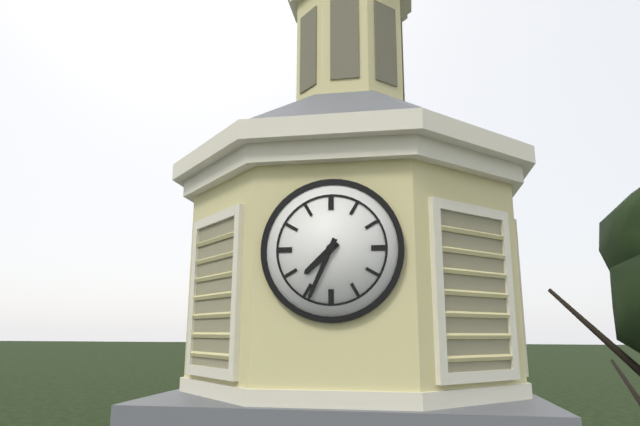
7:34
